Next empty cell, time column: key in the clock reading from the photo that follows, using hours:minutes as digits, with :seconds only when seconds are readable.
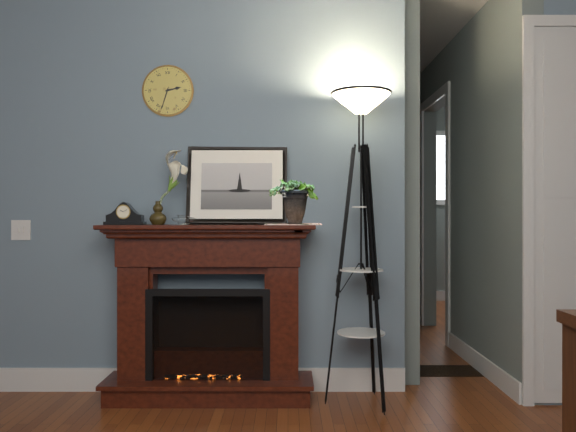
2:33
